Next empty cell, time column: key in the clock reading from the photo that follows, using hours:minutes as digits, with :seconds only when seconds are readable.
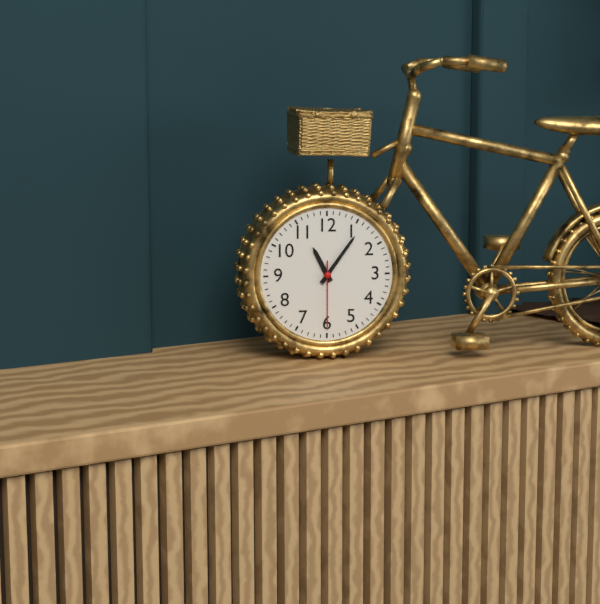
11:06:30
